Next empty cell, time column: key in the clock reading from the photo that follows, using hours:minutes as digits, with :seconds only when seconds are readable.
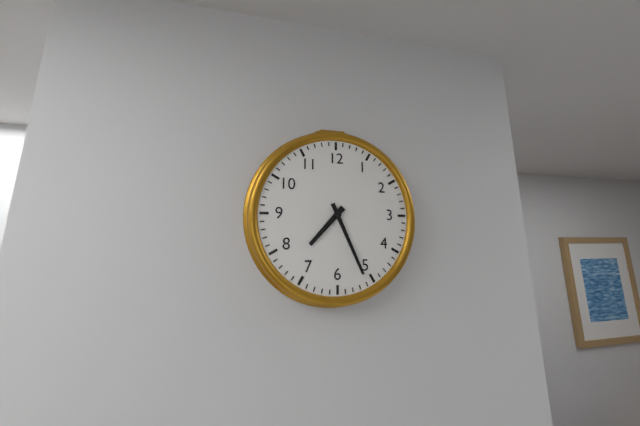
7:26
